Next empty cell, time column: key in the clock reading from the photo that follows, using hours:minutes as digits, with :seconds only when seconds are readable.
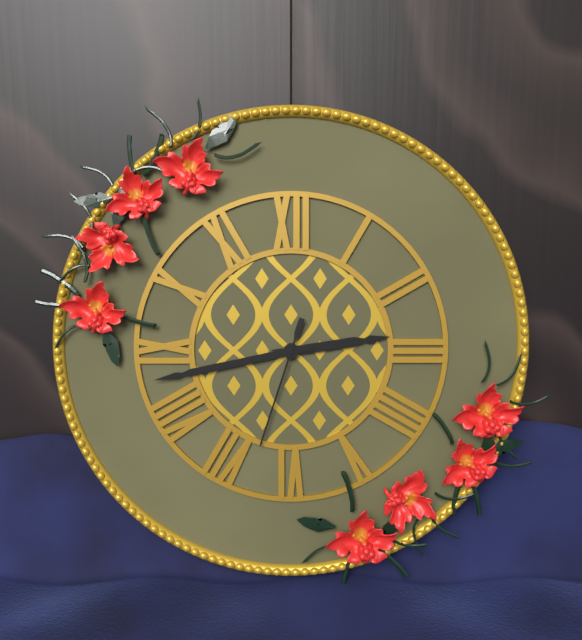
2:43:33
